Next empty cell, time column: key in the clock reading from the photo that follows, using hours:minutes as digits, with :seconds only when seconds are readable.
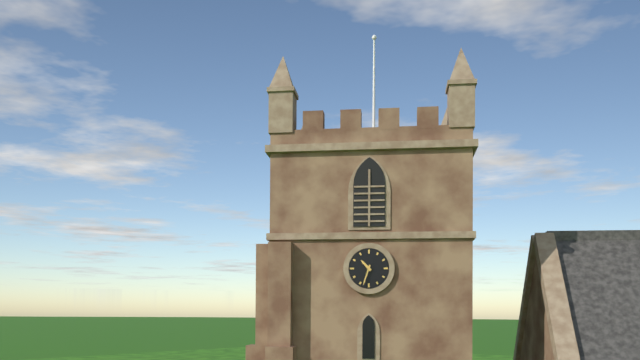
10:33
